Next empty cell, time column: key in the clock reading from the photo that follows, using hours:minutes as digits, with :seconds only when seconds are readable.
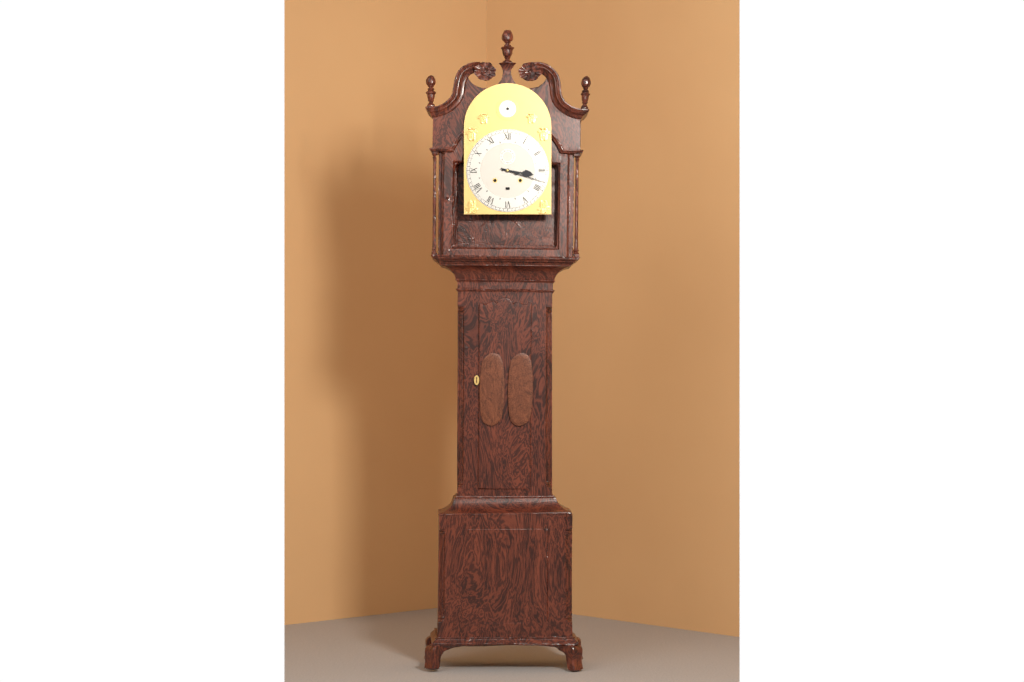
3:18
